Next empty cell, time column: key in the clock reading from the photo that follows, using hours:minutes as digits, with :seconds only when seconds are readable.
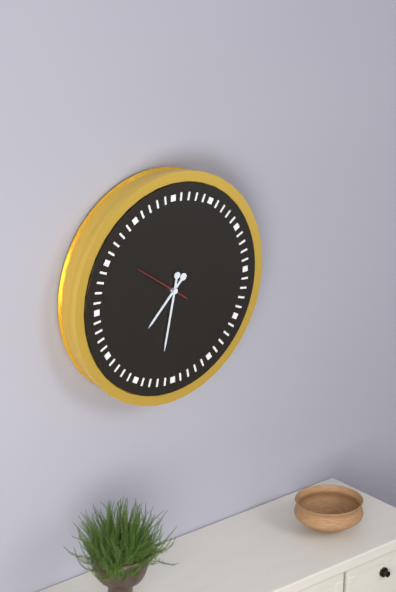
7:32
